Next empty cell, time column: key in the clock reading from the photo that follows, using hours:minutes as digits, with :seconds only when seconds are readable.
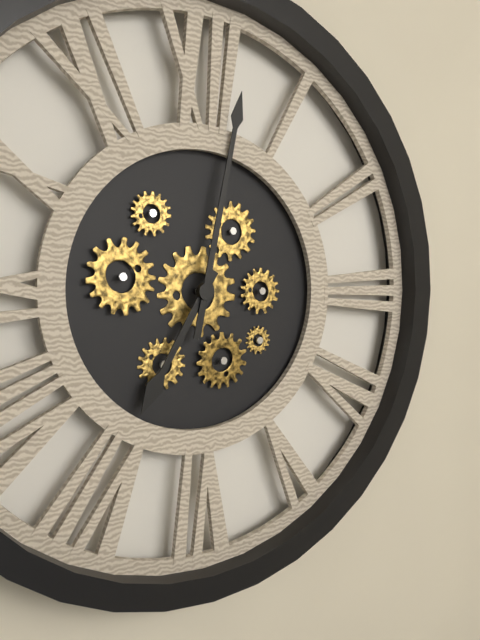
7:02
